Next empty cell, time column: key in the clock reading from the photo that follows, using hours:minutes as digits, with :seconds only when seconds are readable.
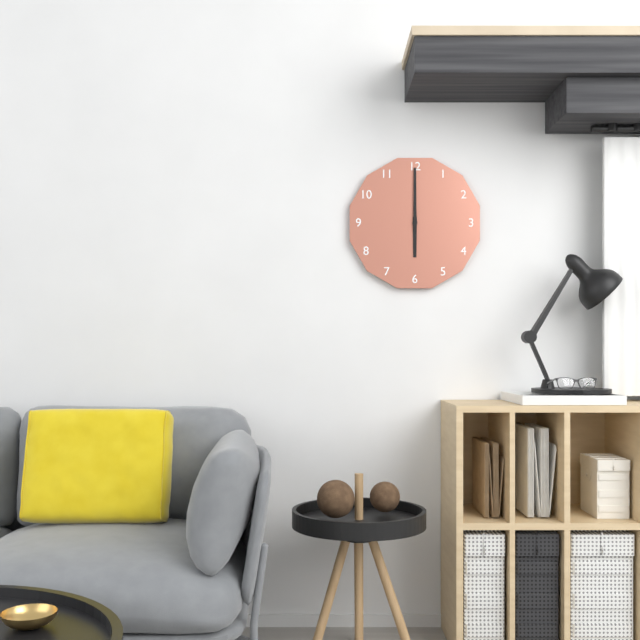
6:00
